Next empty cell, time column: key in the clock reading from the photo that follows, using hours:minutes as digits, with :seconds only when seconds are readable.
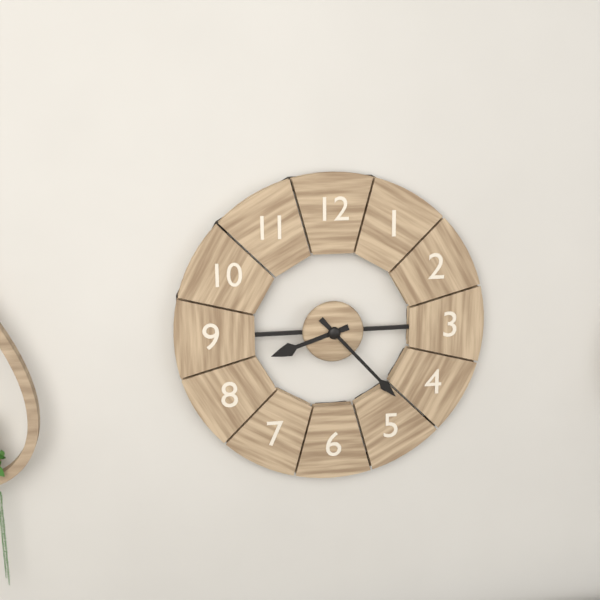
8:23
